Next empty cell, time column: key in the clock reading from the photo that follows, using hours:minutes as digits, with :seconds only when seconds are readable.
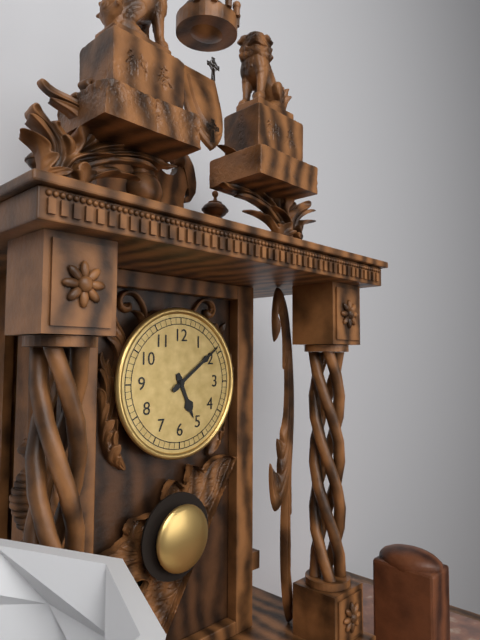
5:09
